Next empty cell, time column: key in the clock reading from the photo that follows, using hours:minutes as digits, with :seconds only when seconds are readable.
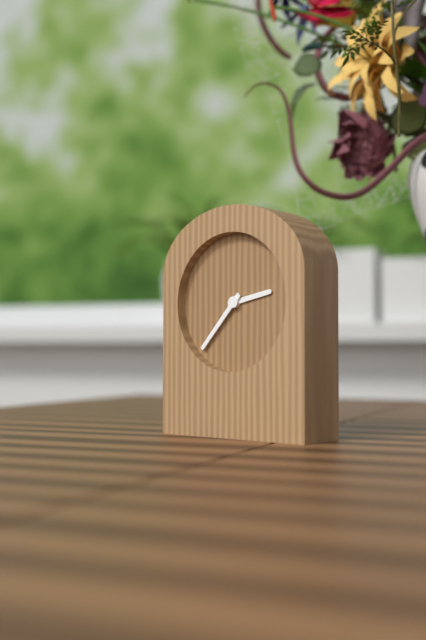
2:37
